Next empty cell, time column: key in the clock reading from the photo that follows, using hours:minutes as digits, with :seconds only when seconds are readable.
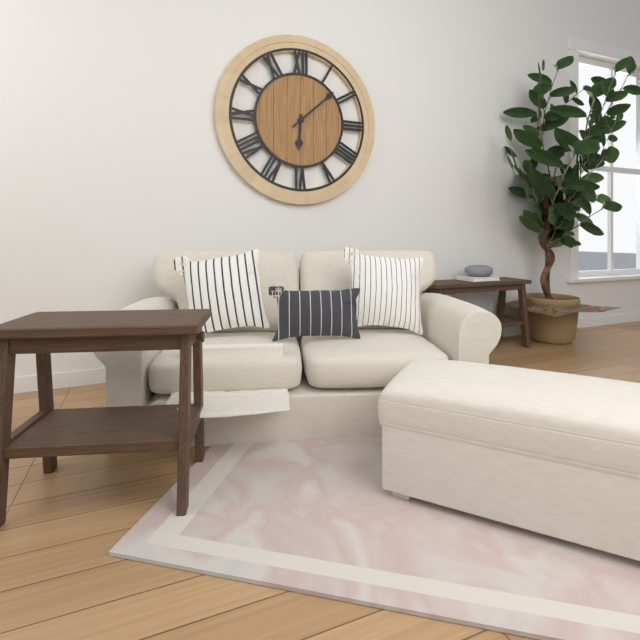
6:08
